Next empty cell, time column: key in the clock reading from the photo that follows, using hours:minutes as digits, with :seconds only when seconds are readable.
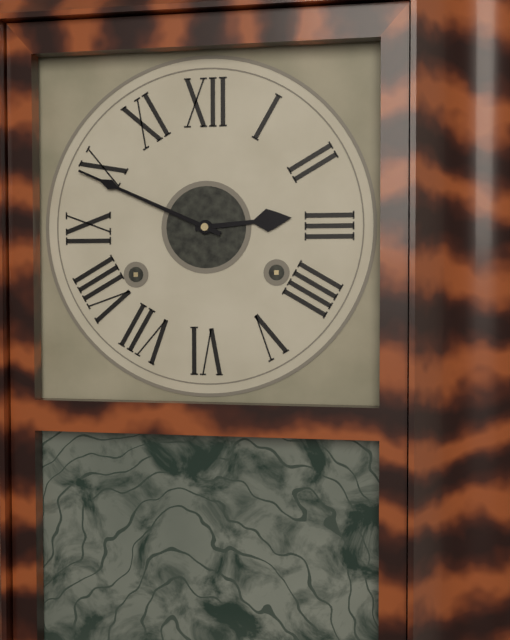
2:49
